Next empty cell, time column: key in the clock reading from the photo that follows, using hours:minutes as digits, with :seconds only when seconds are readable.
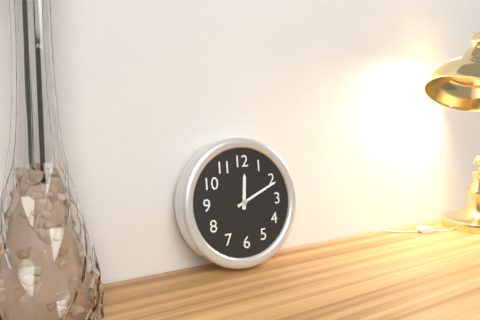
12:11
